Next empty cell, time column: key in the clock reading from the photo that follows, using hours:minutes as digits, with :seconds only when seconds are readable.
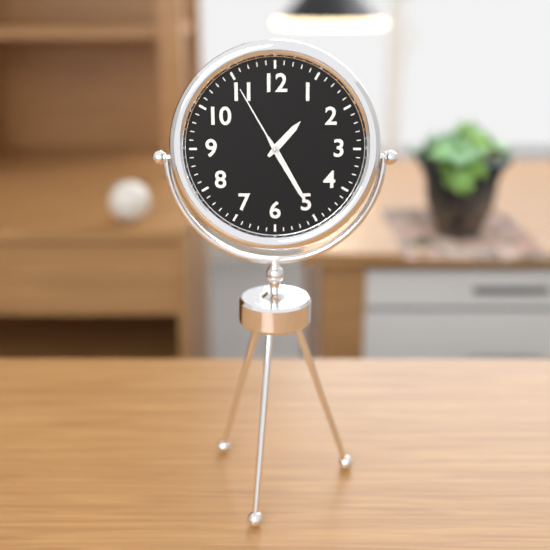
1:25:55
